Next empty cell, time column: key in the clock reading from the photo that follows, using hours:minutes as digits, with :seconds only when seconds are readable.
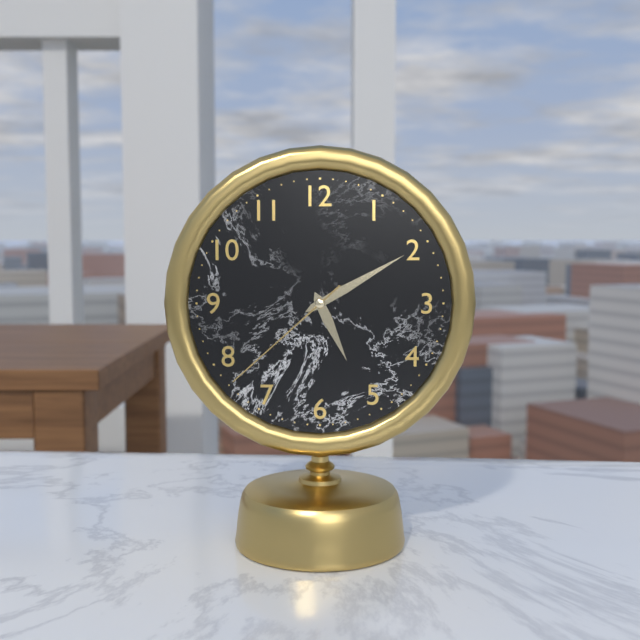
5:10:38
